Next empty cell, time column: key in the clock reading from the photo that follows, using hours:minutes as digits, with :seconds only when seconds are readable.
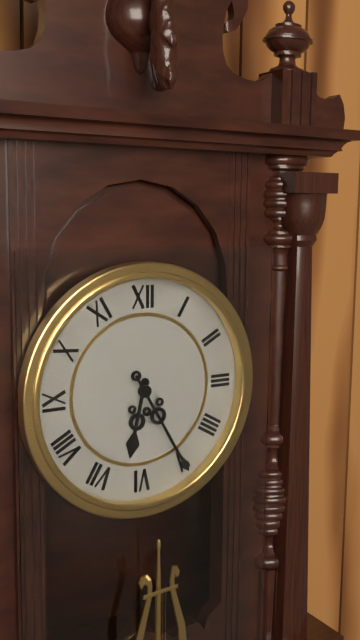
6:25
